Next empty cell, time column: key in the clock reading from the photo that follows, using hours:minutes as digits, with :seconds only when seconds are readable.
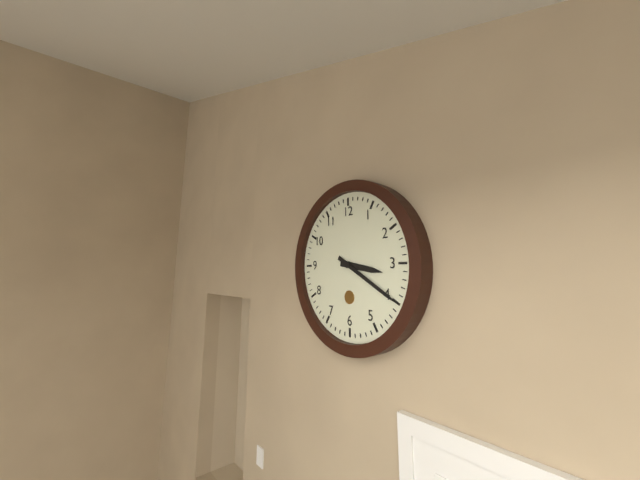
3:20
